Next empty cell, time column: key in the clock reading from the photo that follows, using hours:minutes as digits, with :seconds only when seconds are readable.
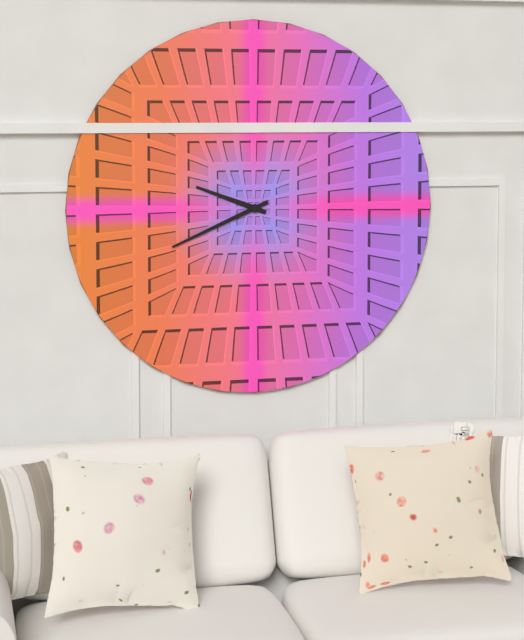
9:41
